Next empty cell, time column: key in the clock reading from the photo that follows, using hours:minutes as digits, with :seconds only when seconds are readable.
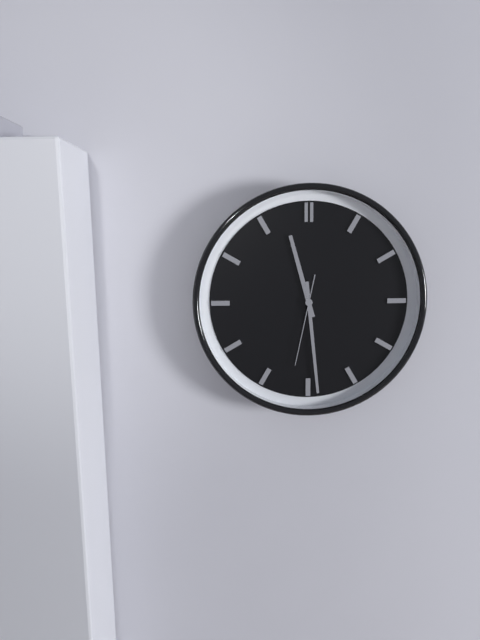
11:29:32
